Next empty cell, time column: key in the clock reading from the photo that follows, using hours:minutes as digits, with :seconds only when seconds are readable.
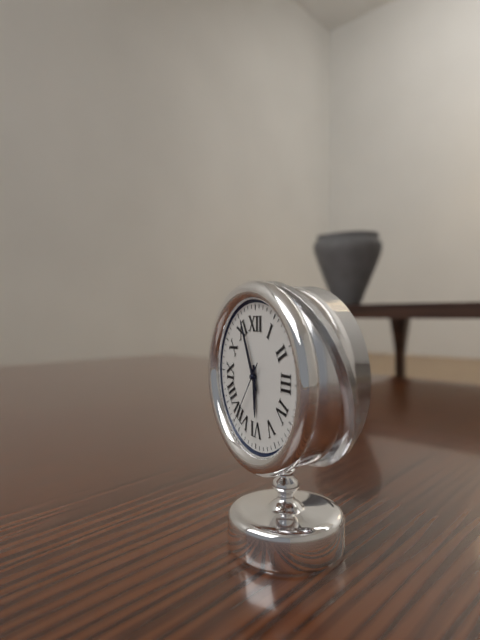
5:56:36
